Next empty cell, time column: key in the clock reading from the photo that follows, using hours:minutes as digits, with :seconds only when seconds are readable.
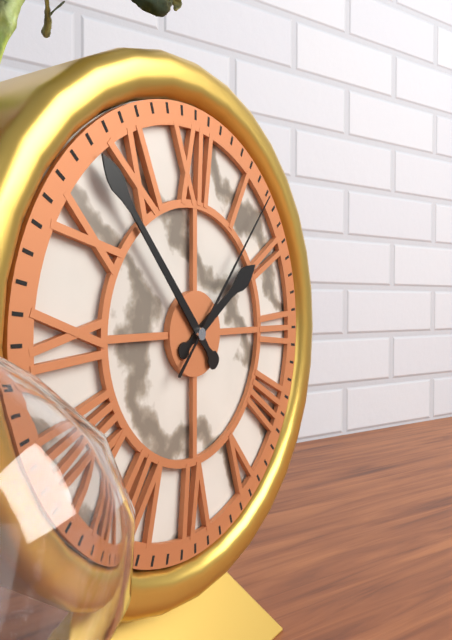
1:53:07
